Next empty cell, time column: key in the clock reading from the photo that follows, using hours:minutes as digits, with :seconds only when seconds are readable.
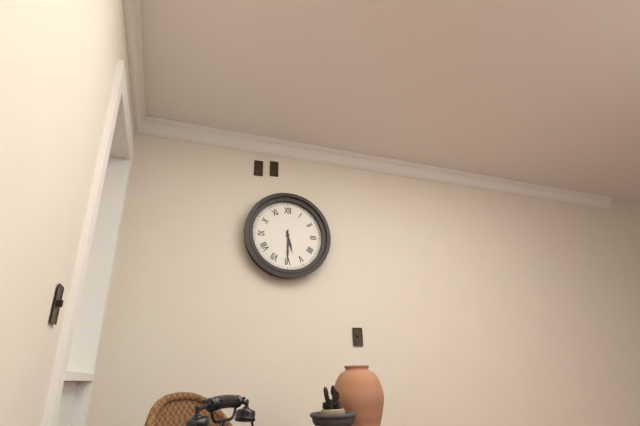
5:30
